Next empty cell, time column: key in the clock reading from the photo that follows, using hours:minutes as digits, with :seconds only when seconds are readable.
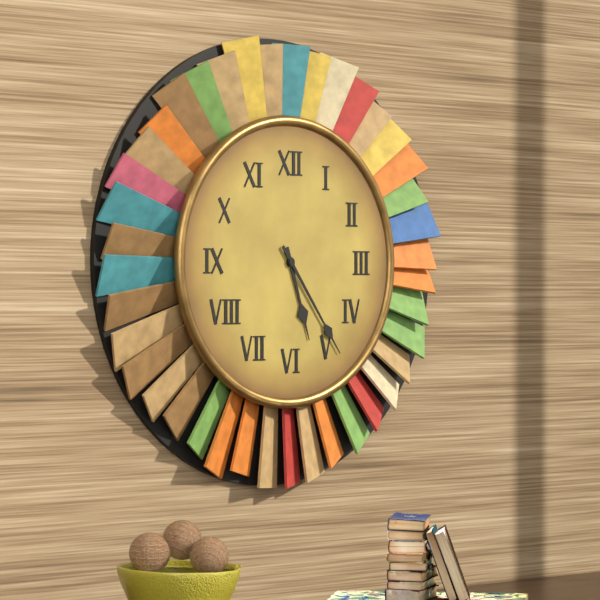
5:24
